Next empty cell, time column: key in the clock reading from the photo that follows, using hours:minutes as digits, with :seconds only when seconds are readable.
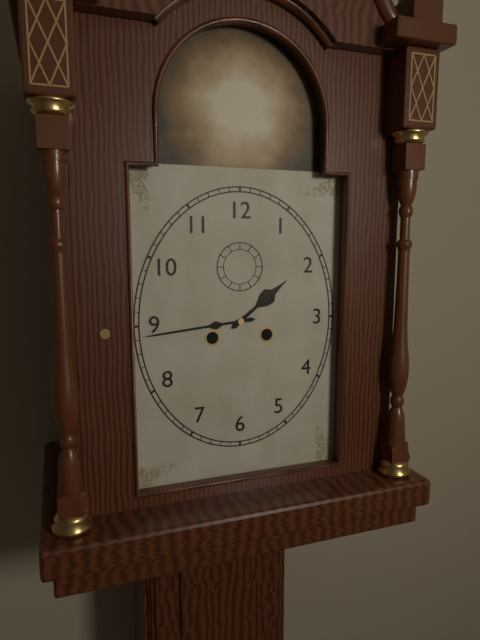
1:44
